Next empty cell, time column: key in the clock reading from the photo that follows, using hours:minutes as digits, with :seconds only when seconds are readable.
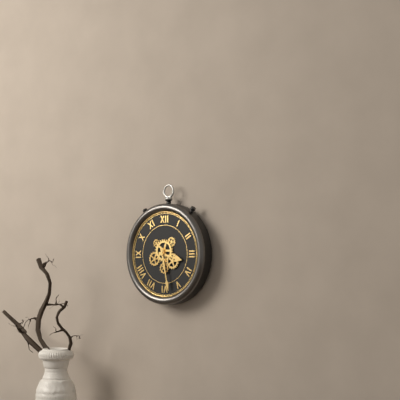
3:28
